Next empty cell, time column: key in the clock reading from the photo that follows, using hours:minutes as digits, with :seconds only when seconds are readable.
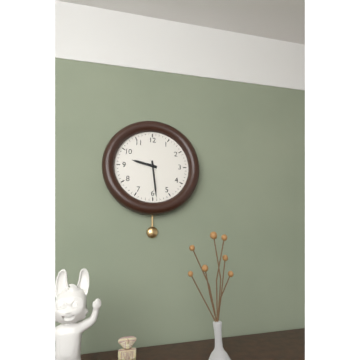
9:29
